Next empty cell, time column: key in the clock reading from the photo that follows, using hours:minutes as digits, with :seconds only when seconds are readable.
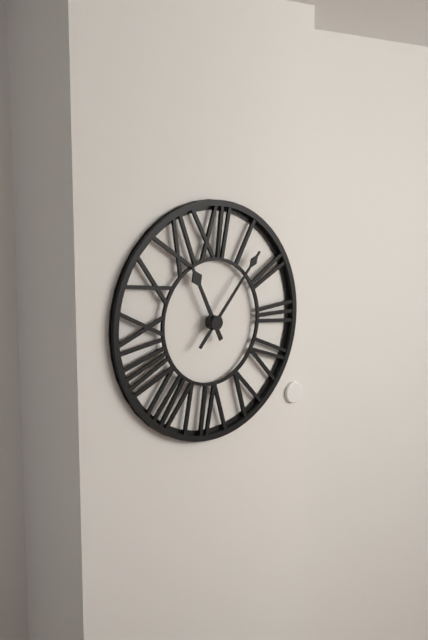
11:07
